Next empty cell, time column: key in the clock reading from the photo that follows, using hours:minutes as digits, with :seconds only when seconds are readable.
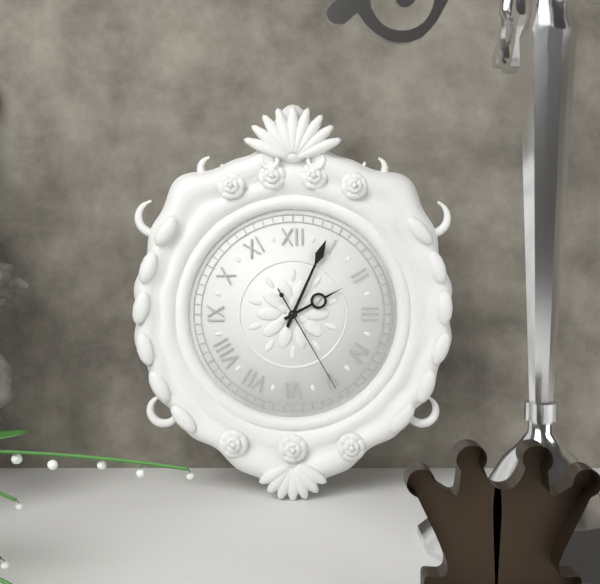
2:04:25
